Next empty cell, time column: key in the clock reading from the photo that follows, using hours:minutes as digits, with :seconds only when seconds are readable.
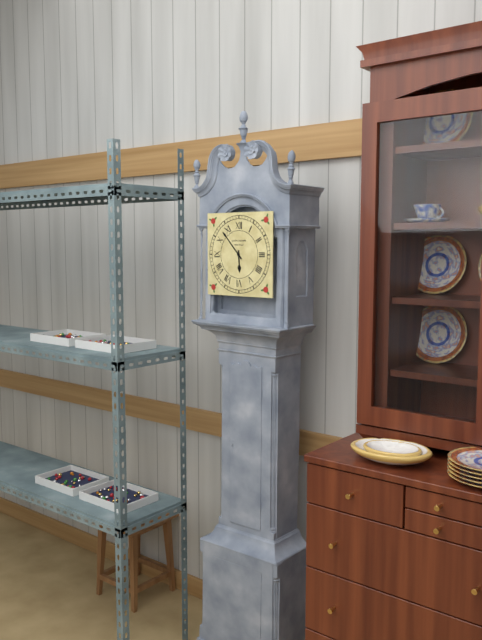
5:53
